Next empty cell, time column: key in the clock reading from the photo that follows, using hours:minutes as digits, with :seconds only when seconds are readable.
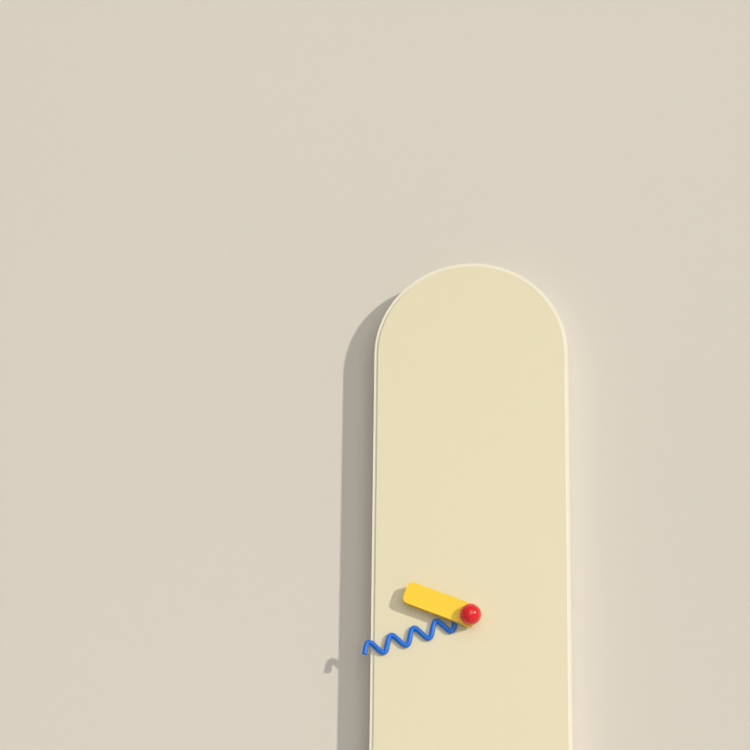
9:42
